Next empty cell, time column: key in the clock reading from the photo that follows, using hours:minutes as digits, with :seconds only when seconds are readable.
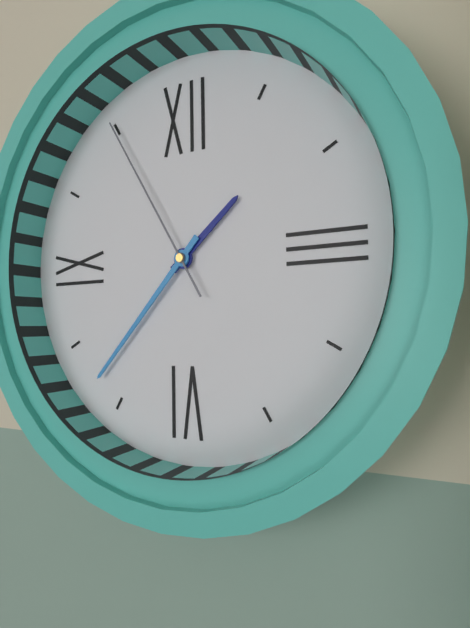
1:37:55
